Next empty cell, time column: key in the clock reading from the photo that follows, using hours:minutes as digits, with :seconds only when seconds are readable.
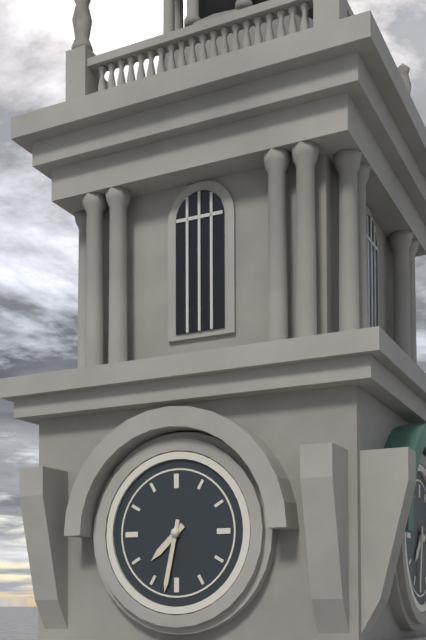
7:32
